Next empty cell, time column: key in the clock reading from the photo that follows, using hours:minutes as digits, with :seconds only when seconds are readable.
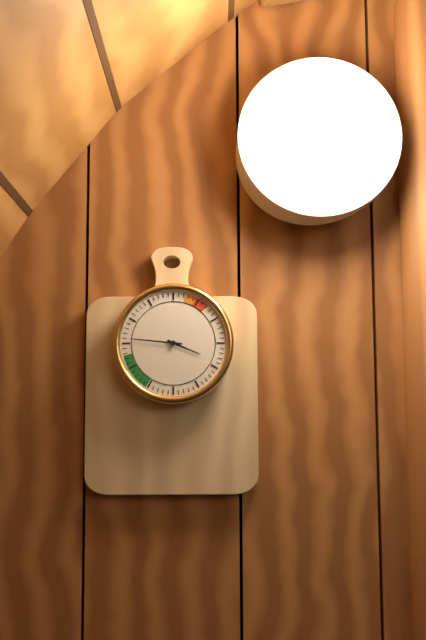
3:46
